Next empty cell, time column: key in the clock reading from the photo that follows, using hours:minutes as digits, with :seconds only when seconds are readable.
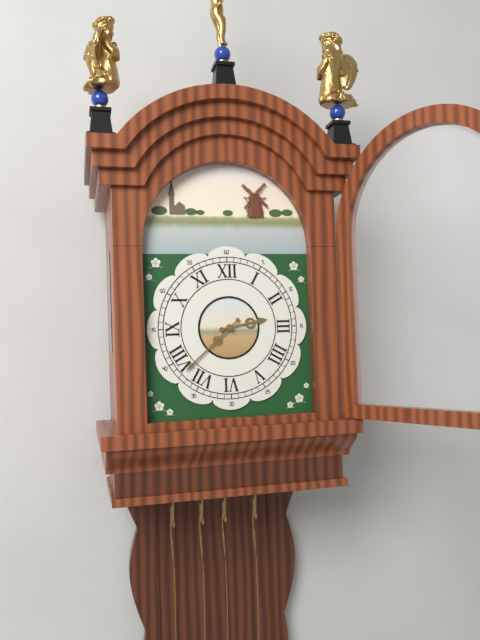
2:38
